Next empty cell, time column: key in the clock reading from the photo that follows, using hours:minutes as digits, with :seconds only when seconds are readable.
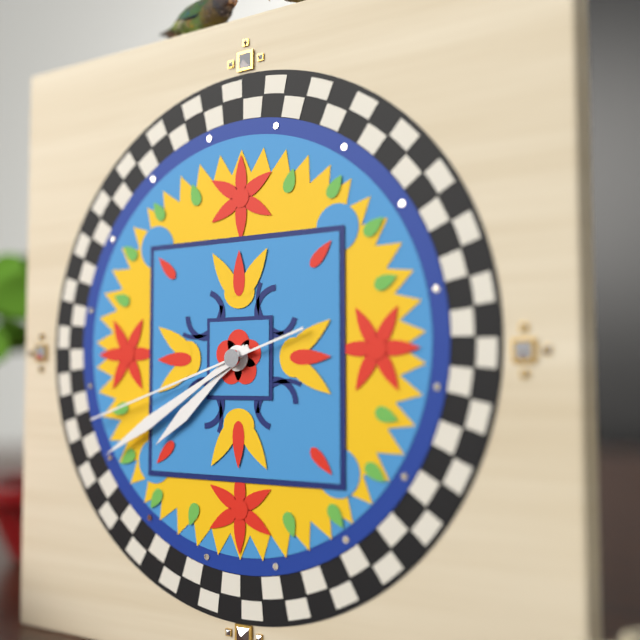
7:40:42
